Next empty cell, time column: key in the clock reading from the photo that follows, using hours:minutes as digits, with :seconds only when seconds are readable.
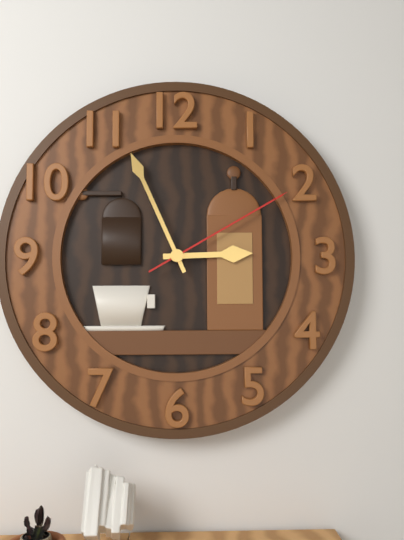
2:56:10
